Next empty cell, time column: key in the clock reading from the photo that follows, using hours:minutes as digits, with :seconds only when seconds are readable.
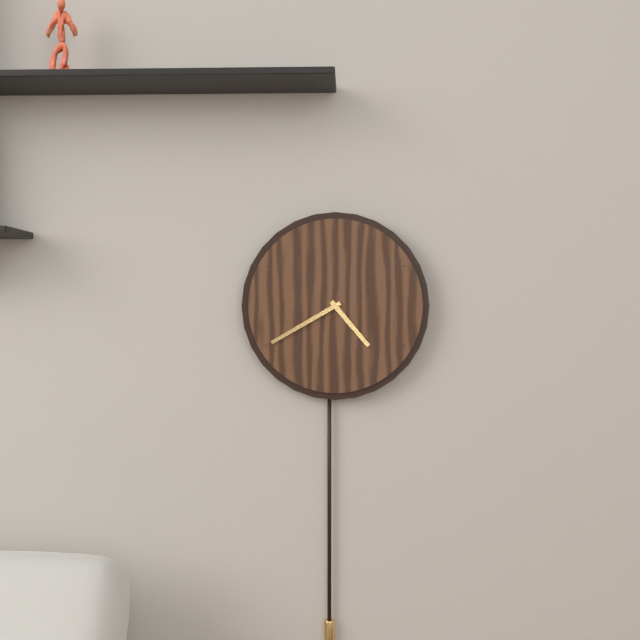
4:40
